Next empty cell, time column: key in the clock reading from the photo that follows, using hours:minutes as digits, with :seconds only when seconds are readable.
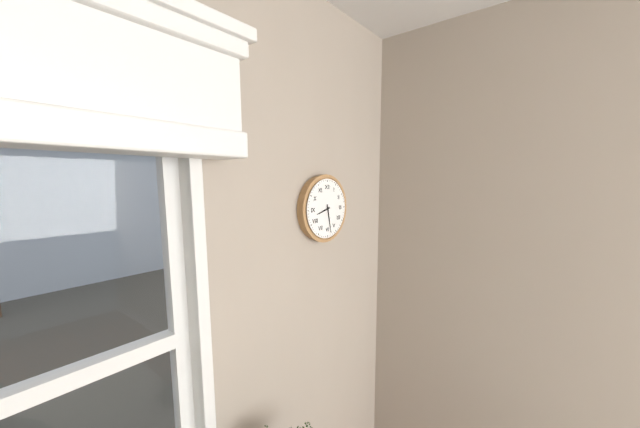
8:28
